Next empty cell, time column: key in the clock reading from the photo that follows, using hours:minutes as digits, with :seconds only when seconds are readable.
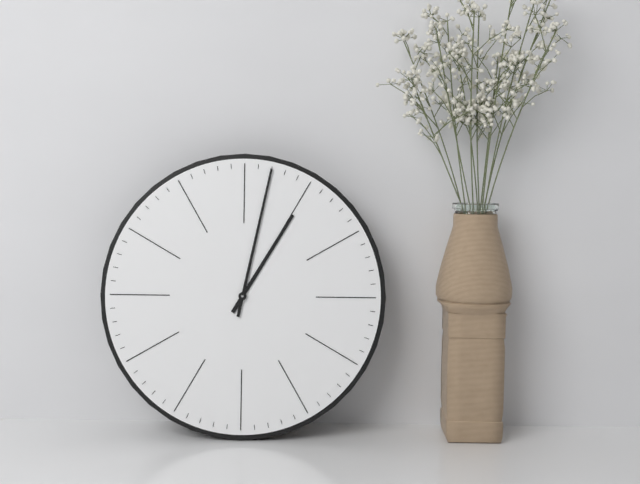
1:02
